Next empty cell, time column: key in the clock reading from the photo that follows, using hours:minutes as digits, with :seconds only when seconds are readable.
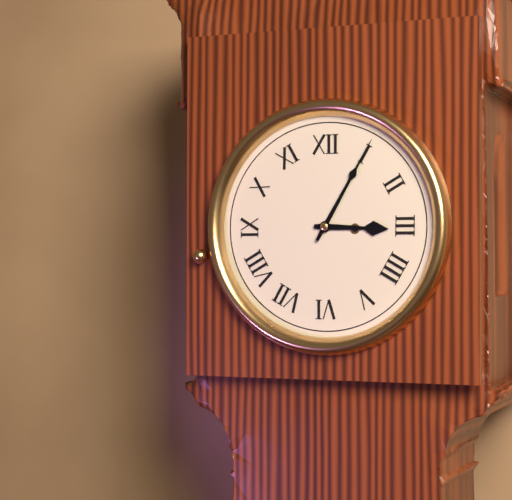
3:05
